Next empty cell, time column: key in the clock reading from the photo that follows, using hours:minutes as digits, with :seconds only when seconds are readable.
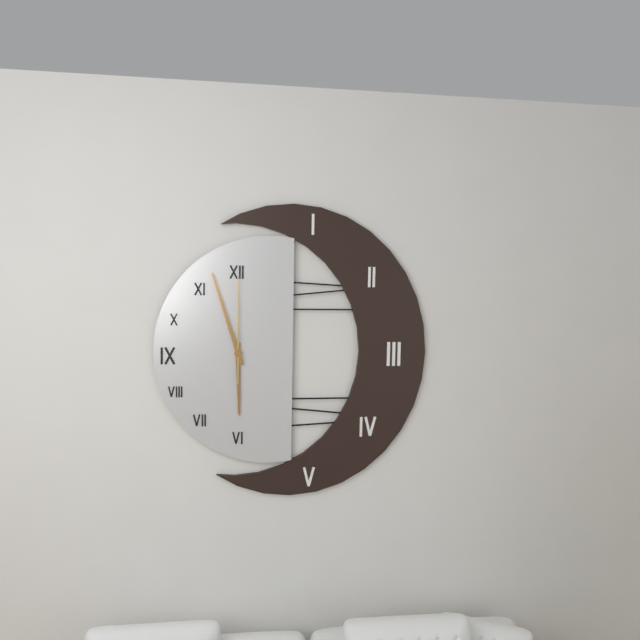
5:57:00
